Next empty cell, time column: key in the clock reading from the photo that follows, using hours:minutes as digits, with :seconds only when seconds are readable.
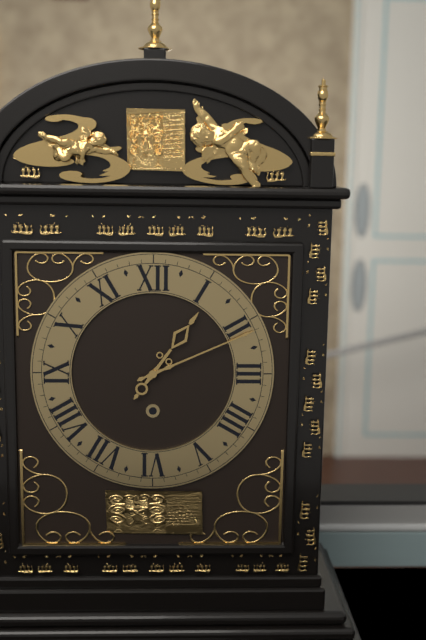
1:11
